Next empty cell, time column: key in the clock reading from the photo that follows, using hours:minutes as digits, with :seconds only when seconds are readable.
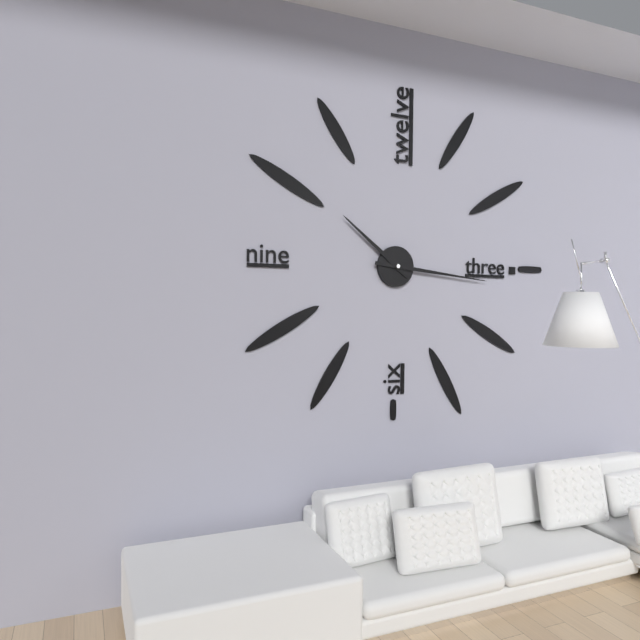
10:16
